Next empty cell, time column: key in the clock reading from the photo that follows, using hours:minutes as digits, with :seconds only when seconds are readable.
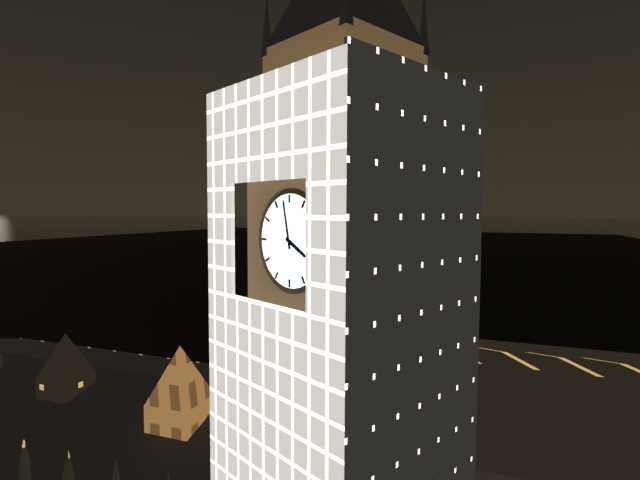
3:58
